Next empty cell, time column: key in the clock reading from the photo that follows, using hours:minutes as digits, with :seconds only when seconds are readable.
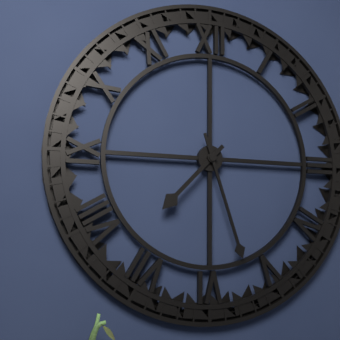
7:27
